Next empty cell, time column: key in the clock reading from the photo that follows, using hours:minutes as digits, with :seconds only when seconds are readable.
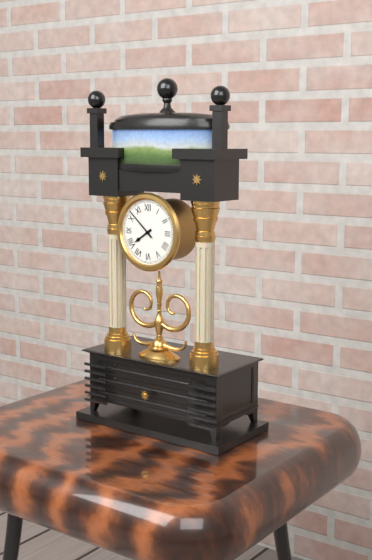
7:52
